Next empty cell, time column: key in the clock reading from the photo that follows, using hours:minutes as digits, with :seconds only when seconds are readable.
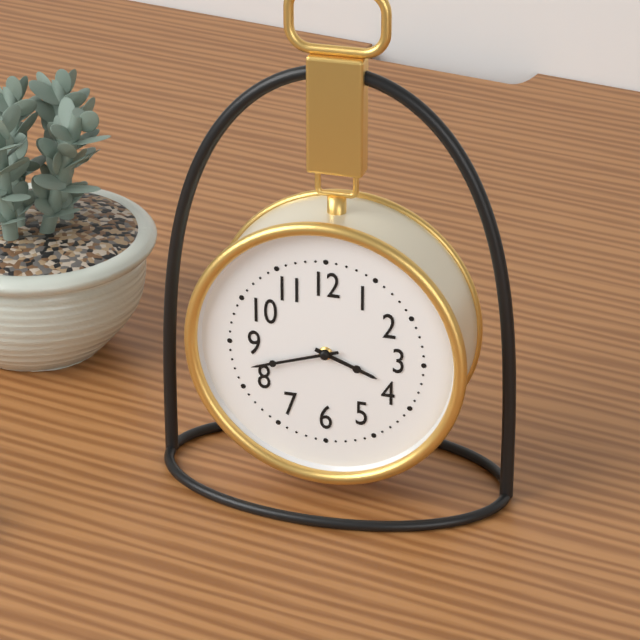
3:42
